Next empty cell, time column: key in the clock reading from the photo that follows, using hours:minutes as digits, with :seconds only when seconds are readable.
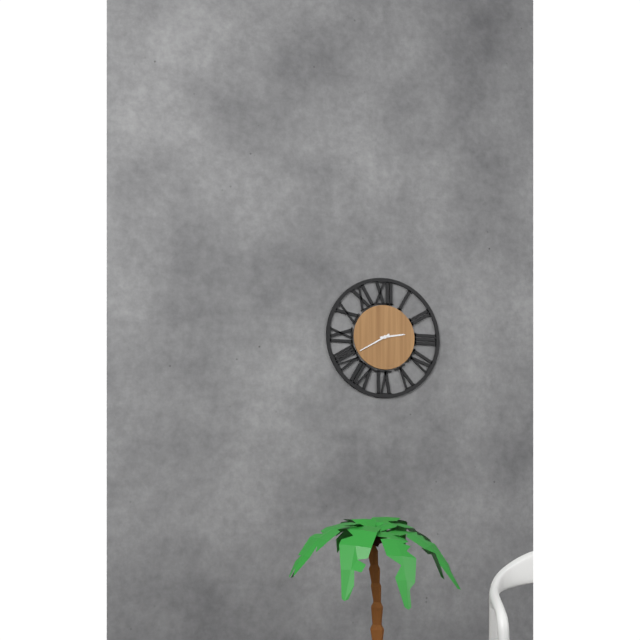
2:40
